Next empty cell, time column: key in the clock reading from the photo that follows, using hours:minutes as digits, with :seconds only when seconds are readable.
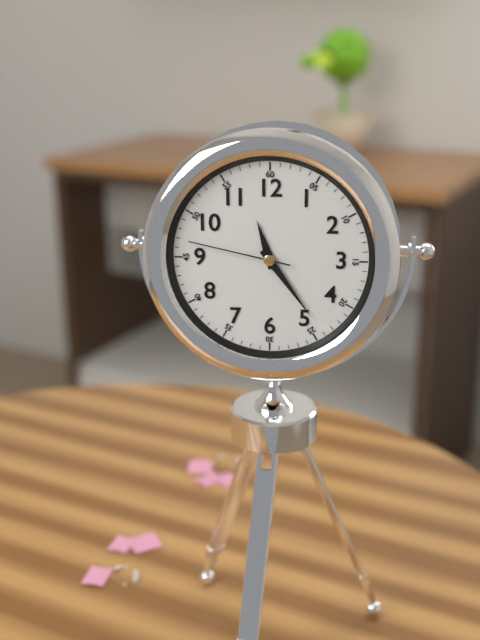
11:24:47
